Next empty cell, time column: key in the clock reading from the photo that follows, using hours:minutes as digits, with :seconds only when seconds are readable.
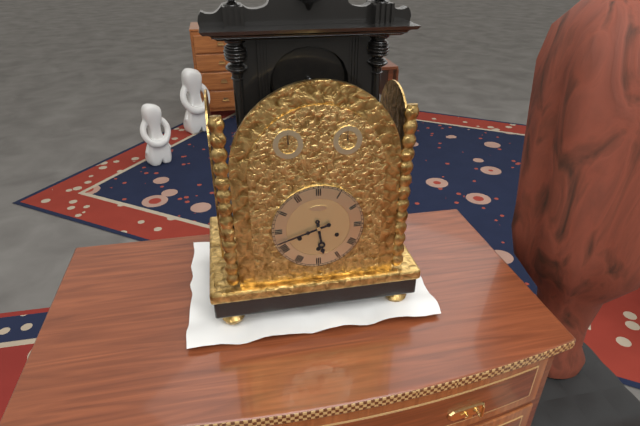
5:42
